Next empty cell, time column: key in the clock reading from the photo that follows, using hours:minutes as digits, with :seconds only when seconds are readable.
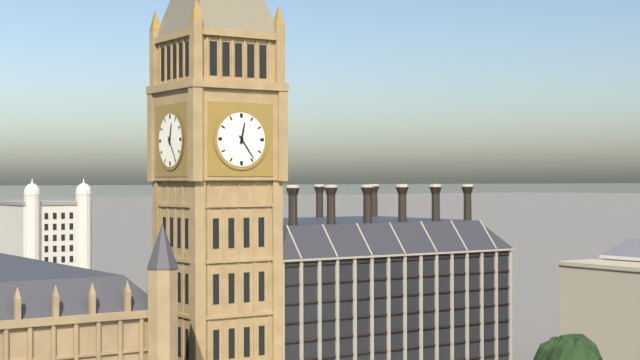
12:24
